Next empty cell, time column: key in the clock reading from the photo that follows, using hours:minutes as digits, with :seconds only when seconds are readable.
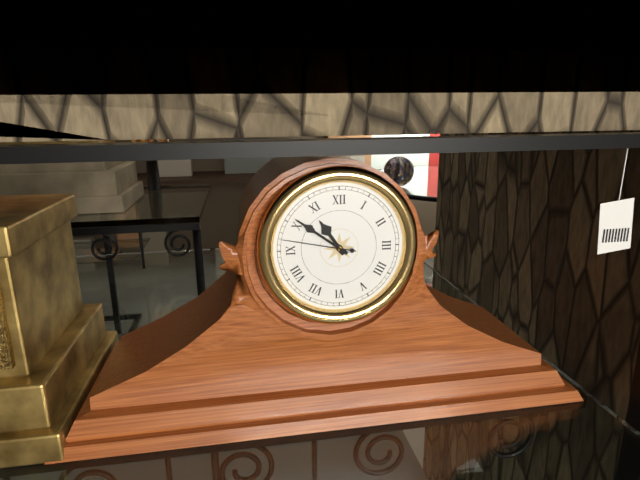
10:51:47
